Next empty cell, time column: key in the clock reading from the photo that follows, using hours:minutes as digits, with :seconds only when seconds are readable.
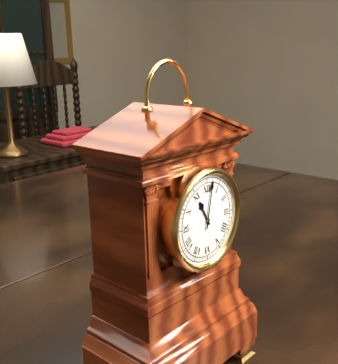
11:02
